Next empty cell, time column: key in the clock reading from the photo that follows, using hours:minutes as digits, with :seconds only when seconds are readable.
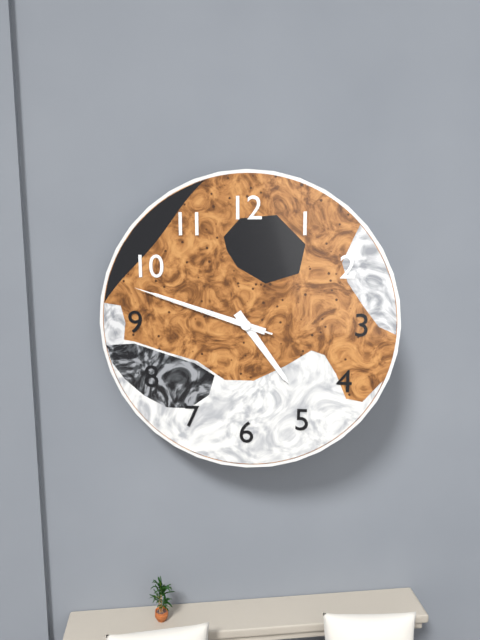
4:48:48
